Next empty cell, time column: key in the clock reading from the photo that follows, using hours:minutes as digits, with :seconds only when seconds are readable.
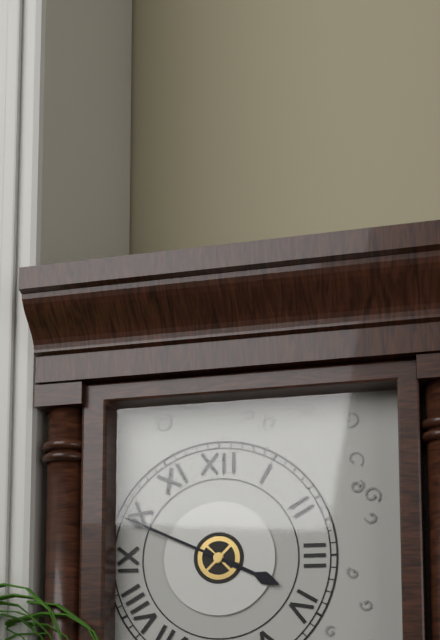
3:49
